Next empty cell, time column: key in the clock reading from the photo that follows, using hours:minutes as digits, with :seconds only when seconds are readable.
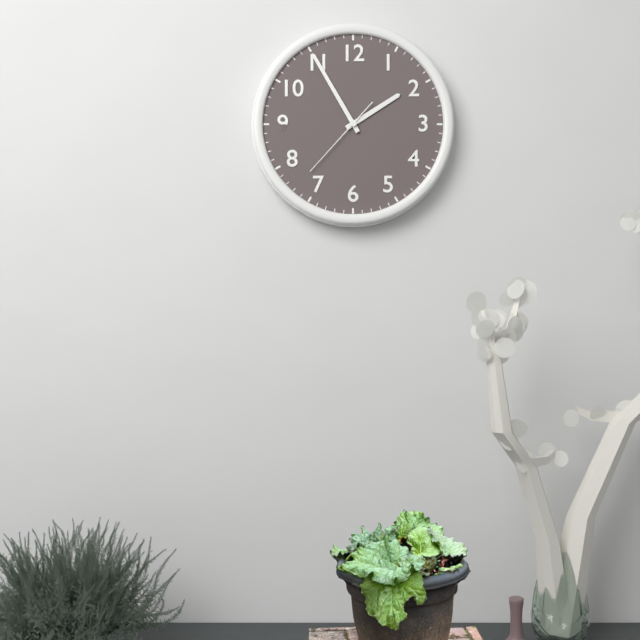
1:55:37
